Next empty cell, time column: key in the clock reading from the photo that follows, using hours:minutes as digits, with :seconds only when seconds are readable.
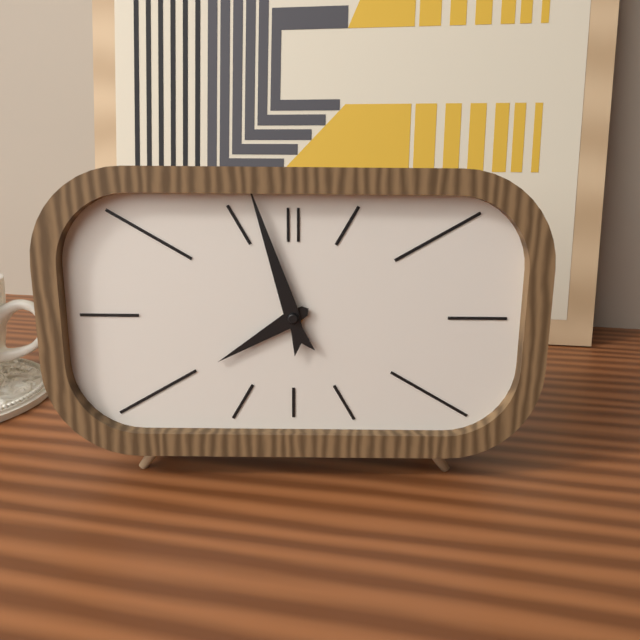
7:57
